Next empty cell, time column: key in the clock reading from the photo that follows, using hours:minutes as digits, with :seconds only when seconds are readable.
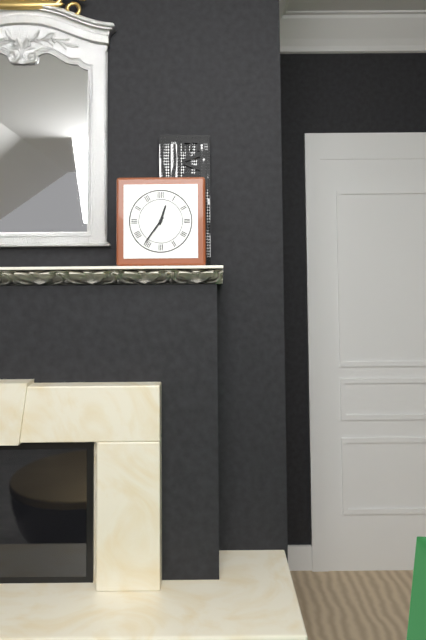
12:36
